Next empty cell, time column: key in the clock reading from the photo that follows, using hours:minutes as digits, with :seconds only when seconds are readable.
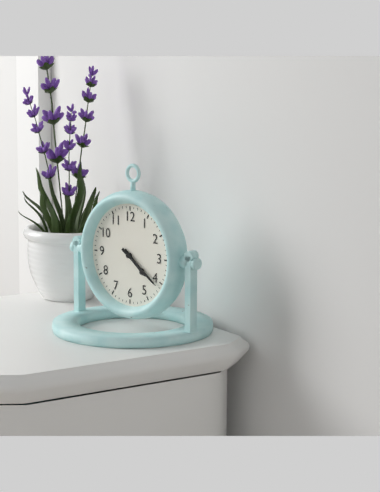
4:21
